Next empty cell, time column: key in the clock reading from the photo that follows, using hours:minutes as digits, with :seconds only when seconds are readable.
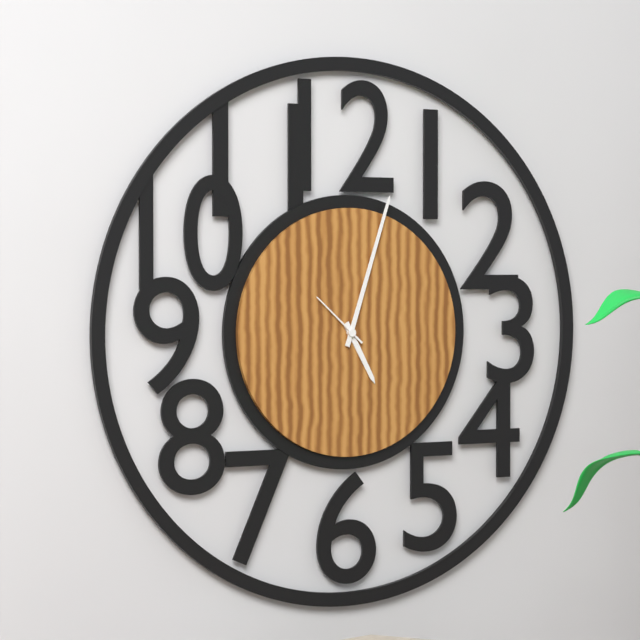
5:03:52
